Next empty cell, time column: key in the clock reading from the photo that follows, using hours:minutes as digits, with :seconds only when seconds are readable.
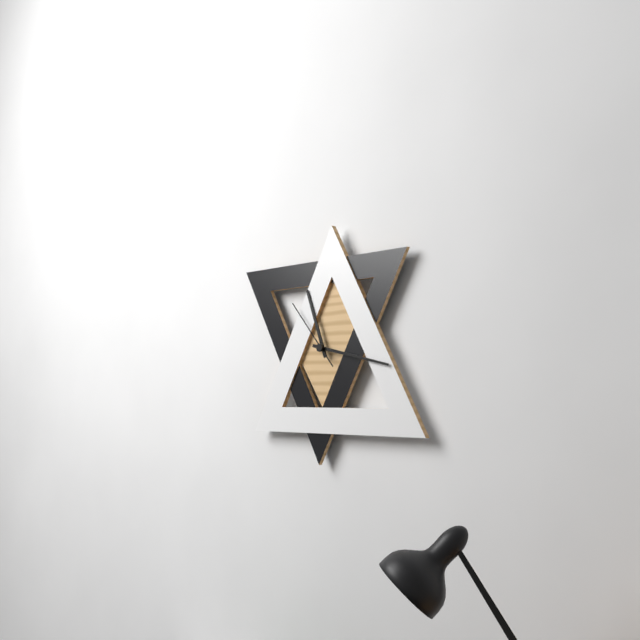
11:17:53
